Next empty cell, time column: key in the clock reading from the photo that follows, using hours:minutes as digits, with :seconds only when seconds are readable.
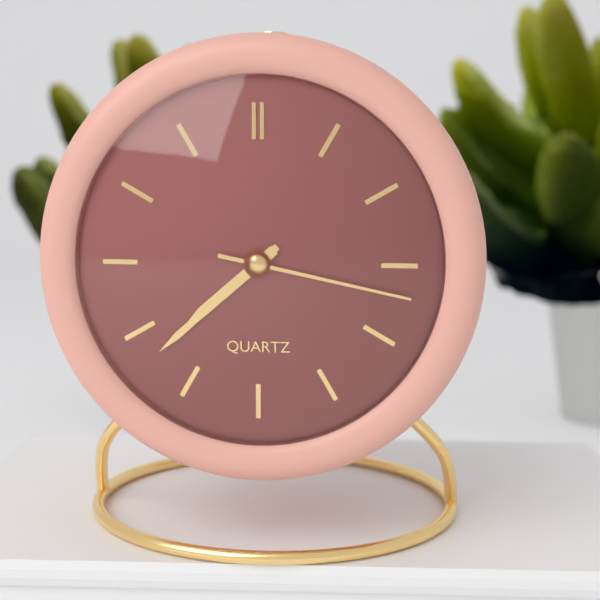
7:38:17
